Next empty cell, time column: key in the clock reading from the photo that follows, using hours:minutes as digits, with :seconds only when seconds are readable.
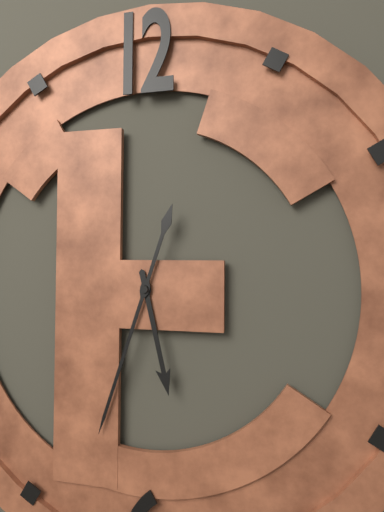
5:33
